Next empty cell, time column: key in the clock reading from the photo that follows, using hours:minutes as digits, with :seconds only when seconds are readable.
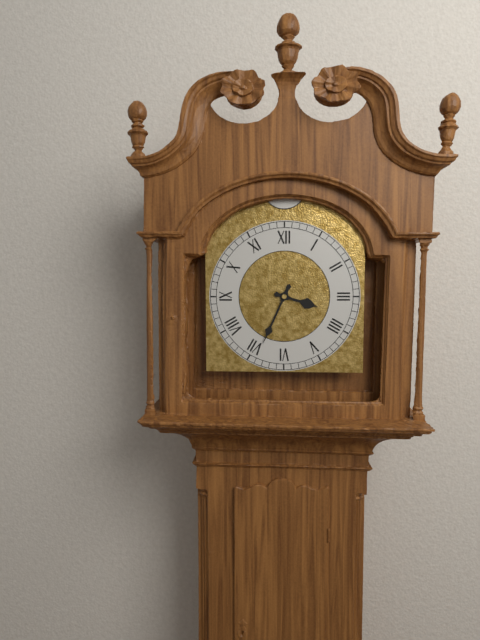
3:34
